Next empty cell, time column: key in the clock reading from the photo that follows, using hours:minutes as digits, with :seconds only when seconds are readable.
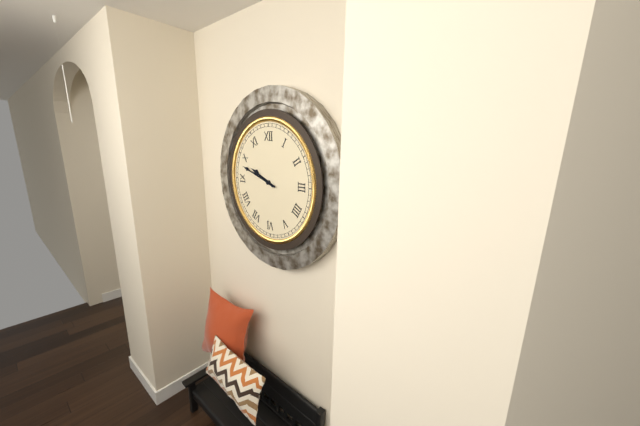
9:48
